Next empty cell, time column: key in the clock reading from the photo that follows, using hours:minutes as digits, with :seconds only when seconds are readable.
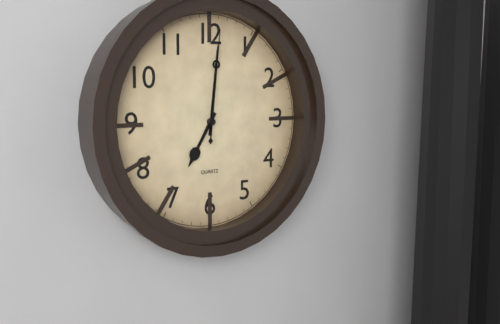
7:01:01
